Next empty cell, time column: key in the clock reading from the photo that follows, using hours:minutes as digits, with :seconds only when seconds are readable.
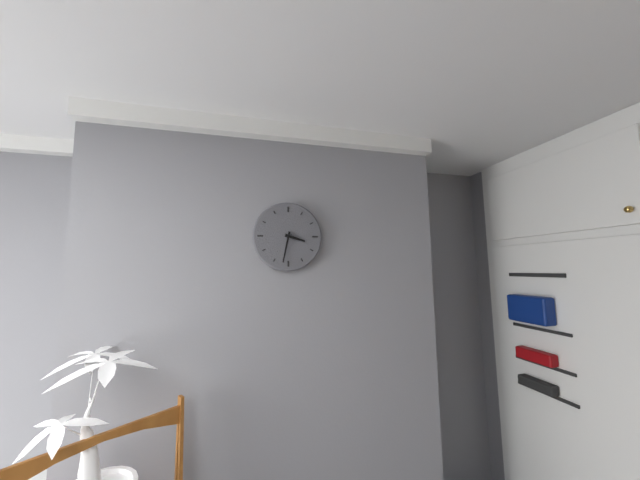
3:32
